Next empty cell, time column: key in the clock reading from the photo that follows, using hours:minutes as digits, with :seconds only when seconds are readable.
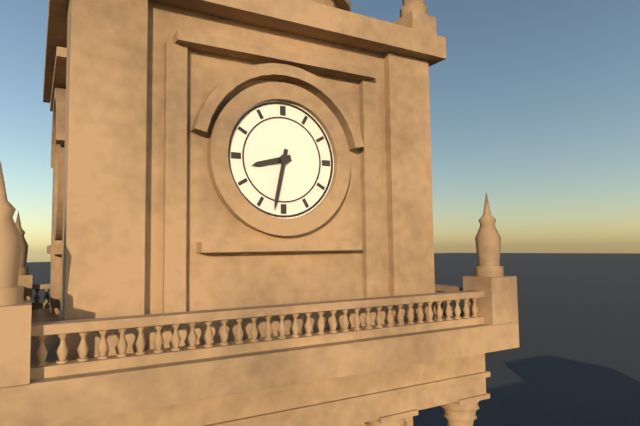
8:32
